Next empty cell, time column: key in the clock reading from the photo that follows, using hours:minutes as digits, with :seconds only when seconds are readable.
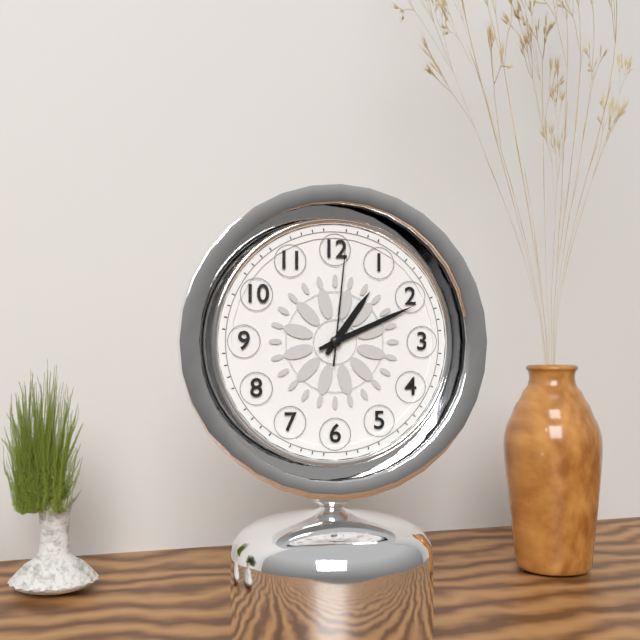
1:11:01
